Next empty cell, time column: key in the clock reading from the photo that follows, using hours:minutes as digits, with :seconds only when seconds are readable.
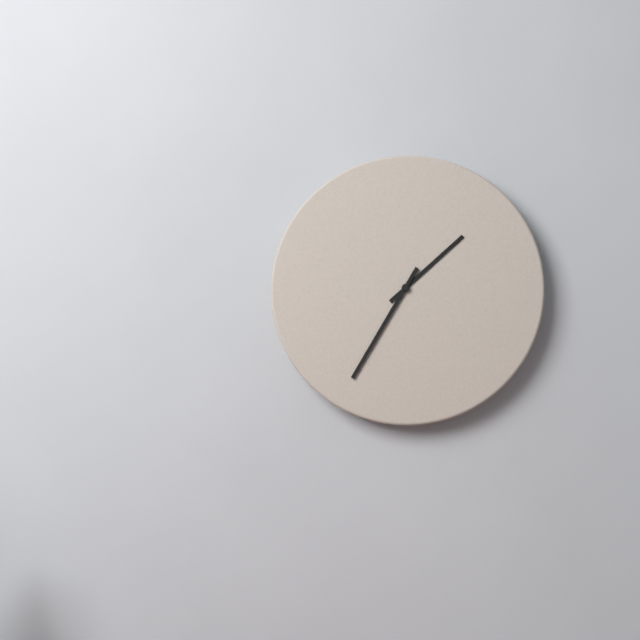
1:35
